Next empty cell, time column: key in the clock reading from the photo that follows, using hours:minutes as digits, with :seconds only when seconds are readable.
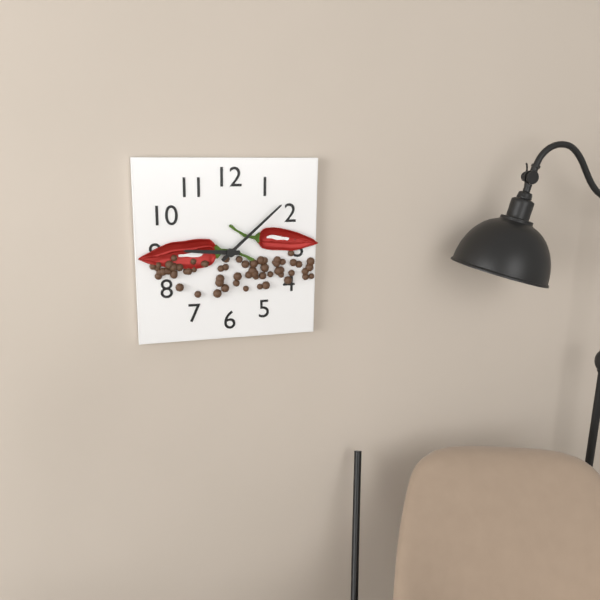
9:08
